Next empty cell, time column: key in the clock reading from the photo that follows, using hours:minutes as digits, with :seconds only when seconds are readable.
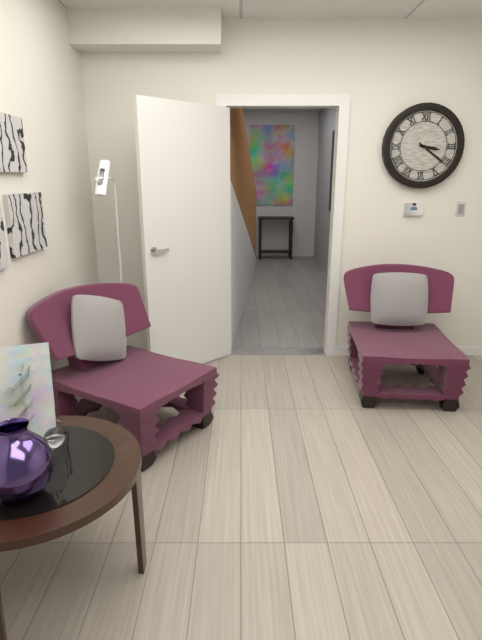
3:21
